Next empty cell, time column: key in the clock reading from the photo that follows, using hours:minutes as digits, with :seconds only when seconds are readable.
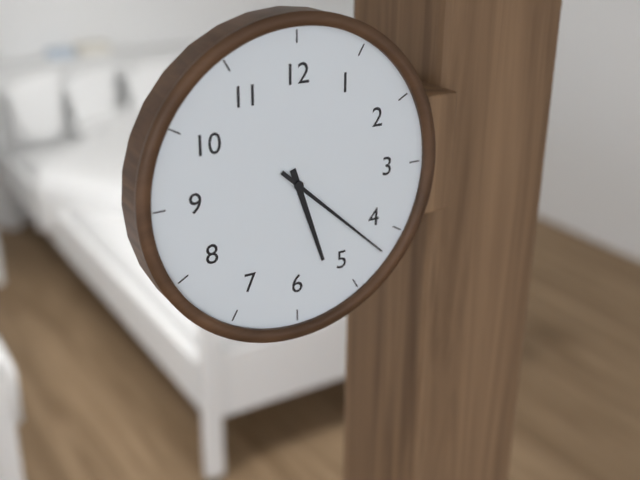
5:22
